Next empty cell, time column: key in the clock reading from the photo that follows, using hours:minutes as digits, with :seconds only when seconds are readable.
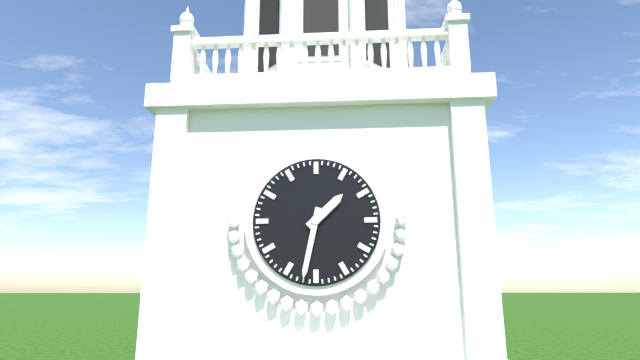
1:32
